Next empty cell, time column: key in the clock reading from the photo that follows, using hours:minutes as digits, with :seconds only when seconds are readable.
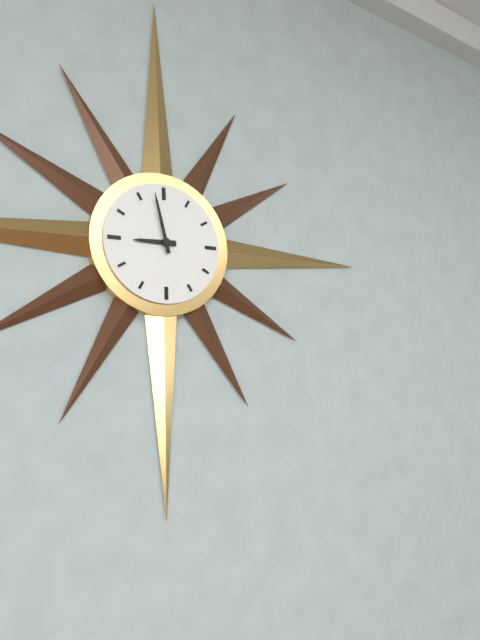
8:58
